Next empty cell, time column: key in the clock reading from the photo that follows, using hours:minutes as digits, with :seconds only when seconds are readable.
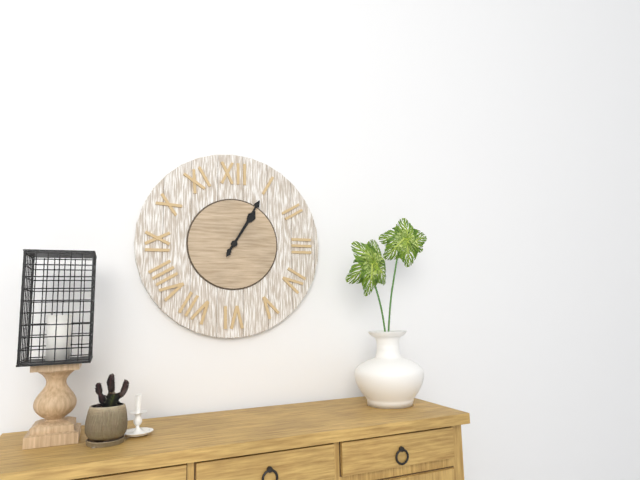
1:05
